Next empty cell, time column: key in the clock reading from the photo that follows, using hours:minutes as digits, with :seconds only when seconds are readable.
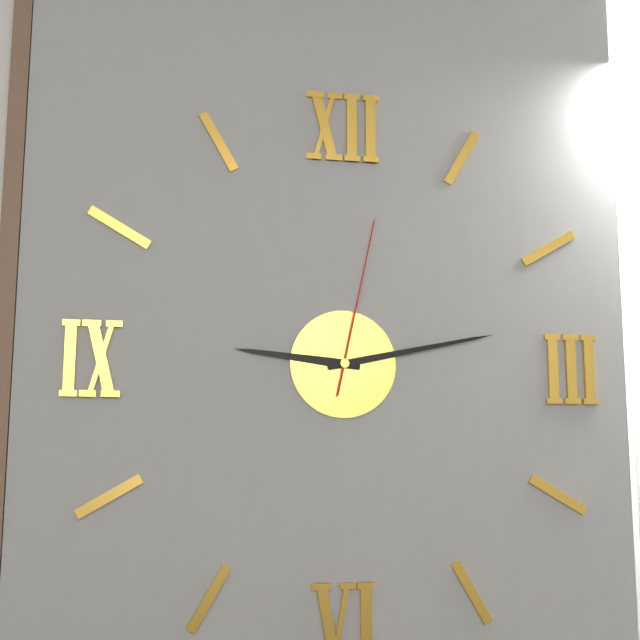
9:13:02
